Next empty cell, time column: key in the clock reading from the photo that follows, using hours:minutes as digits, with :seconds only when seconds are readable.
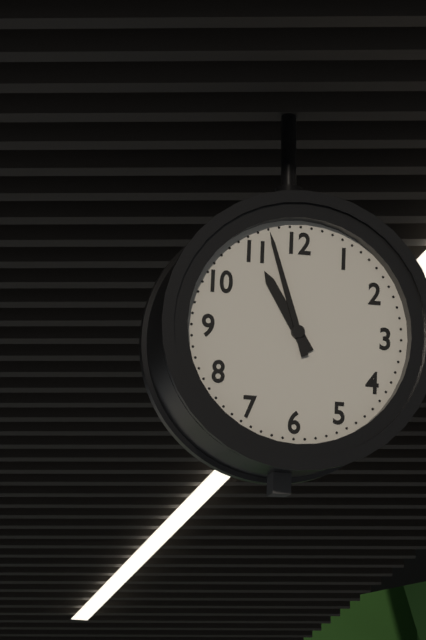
10:57
